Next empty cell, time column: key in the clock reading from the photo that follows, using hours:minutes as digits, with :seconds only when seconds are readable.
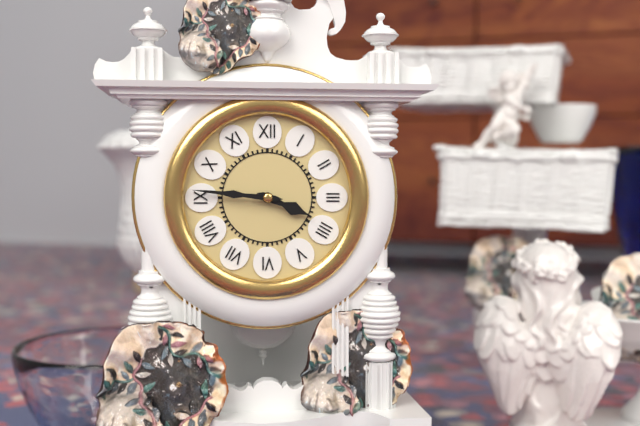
3:46
